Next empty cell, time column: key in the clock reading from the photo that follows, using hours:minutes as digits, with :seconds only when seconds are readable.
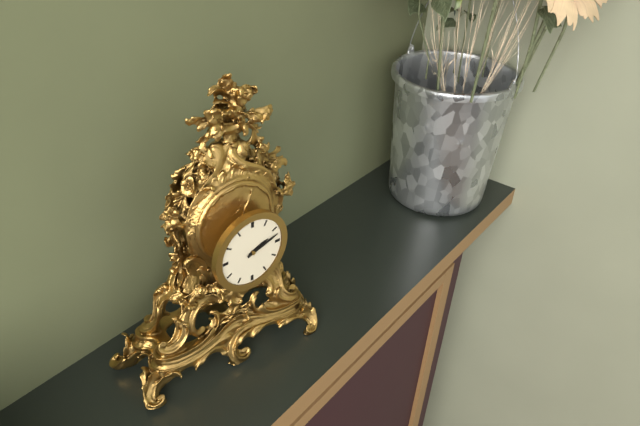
2:12
